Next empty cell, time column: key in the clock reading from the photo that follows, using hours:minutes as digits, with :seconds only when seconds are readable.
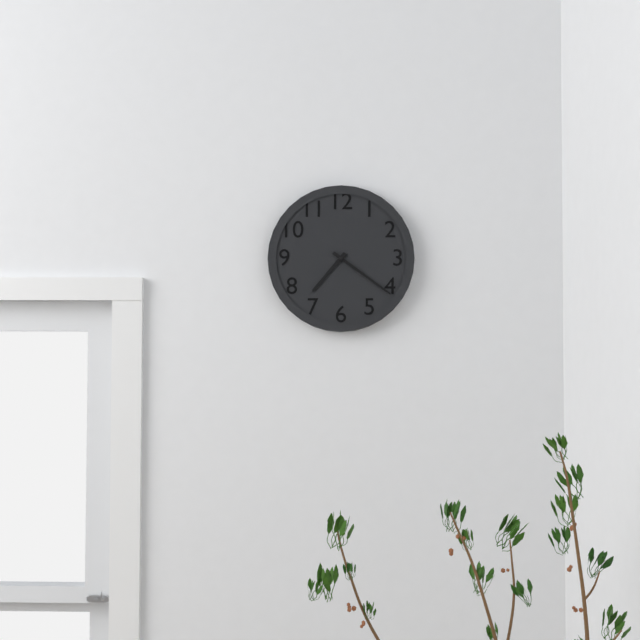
7:21
